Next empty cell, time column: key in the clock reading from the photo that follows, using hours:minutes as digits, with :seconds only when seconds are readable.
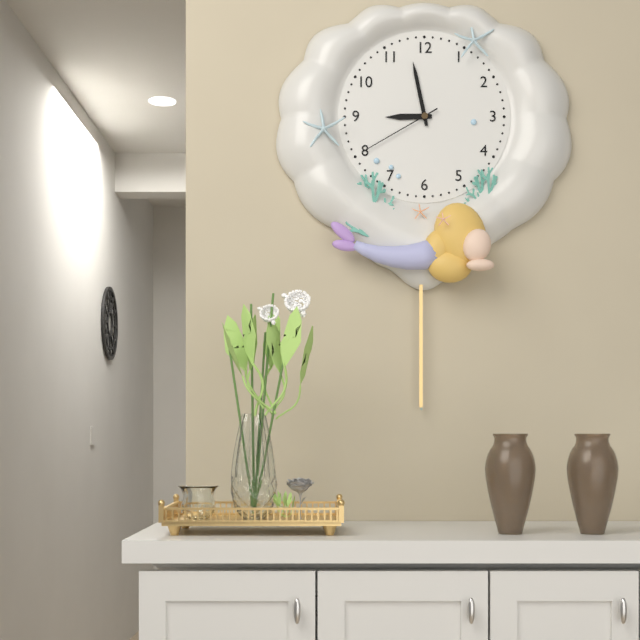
8:58:40
